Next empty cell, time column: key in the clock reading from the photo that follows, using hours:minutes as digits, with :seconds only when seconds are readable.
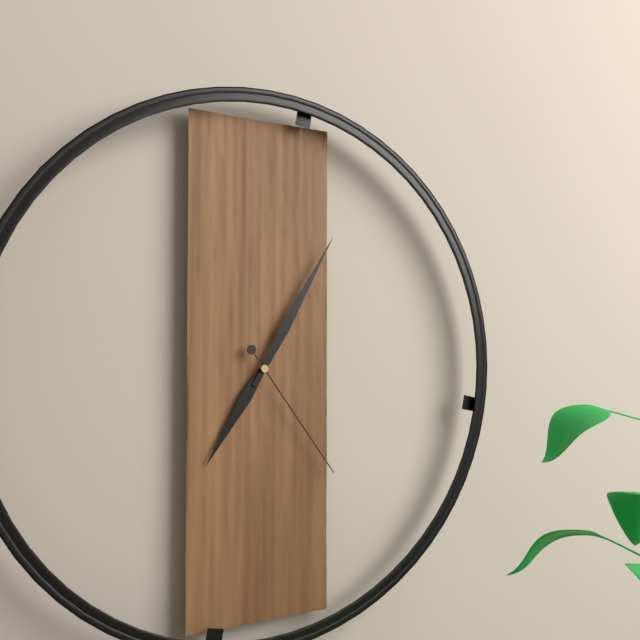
7:05:24
